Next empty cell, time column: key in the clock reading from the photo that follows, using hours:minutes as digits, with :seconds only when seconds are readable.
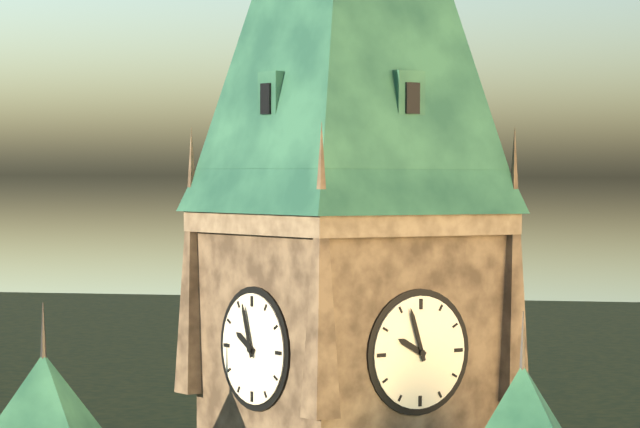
9:57
